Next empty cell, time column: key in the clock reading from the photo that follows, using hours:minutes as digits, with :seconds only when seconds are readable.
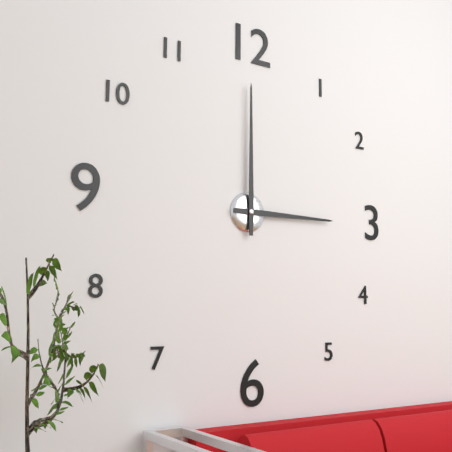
3:00
